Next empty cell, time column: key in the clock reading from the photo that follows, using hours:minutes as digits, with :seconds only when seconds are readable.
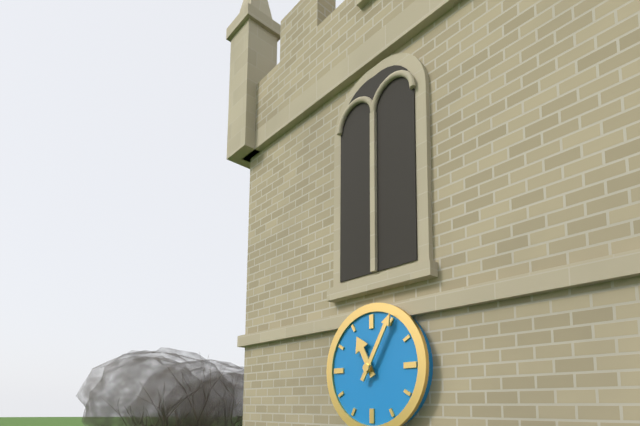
11:05
